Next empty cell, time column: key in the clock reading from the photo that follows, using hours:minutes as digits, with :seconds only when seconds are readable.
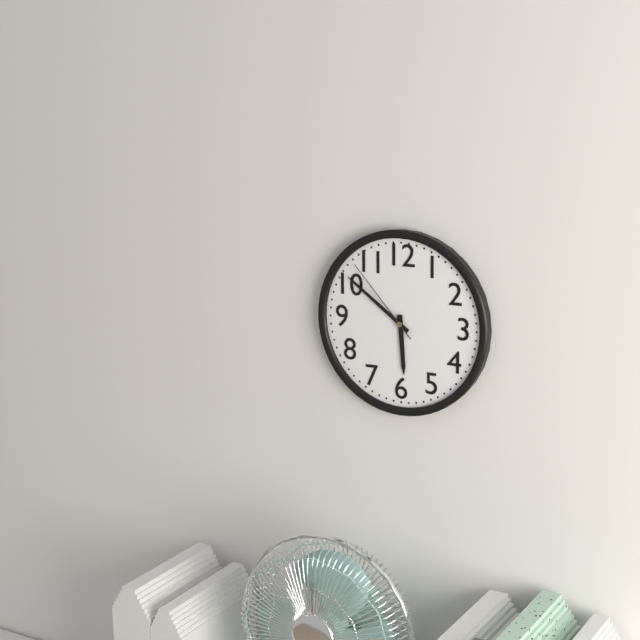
5:51:53
